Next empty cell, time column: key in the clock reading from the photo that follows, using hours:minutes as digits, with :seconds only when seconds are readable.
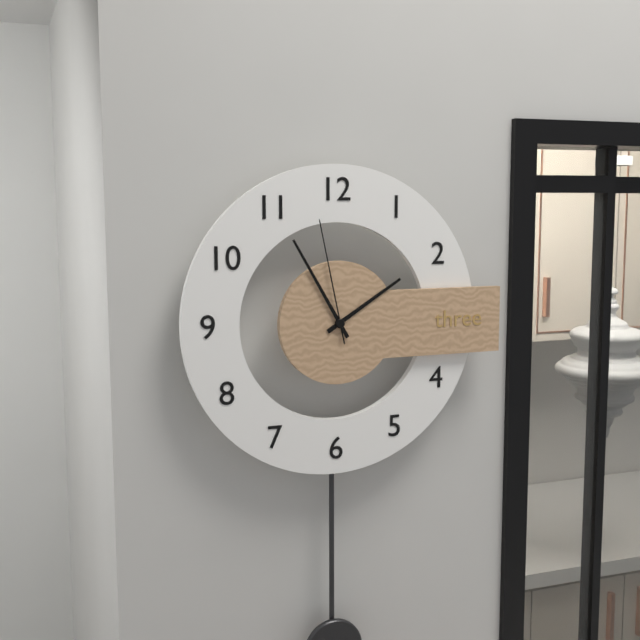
1:55:58
